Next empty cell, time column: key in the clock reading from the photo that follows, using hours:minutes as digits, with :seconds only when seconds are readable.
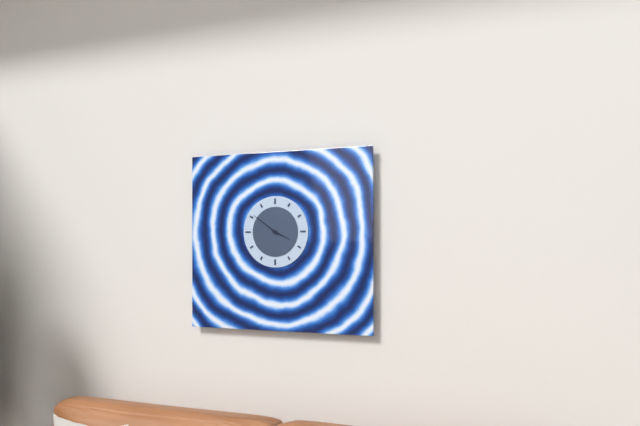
3:51
